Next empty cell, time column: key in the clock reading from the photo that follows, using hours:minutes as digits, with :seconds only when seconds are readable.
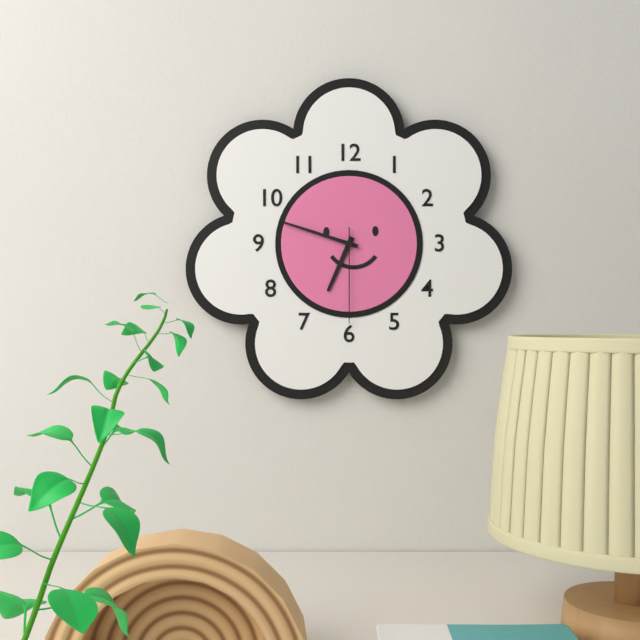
6:48:30
